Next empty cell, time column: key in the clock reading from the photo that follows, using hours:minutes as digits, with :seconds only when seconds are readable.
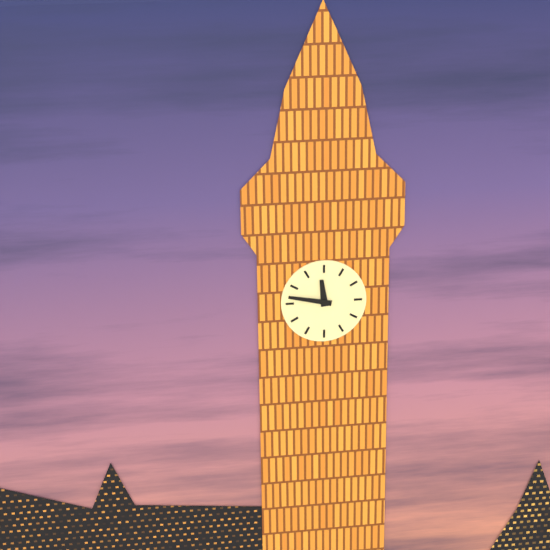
11:47
